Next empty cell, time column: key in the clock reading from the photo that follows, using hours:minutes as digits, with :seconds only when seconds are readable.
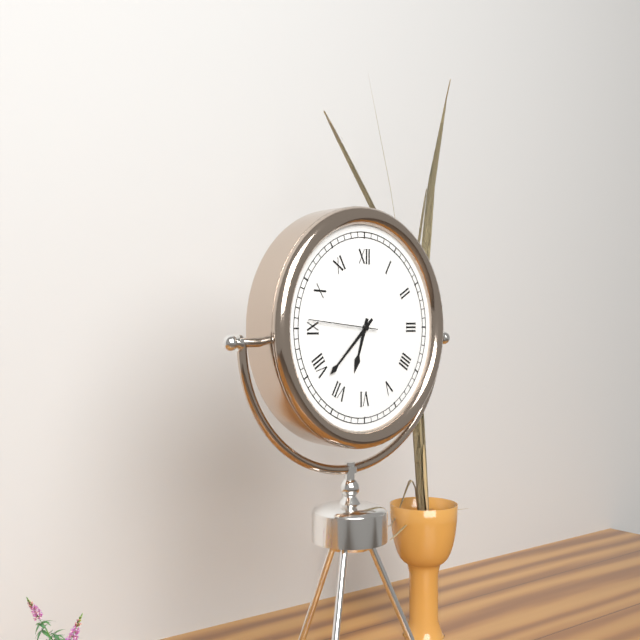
6:38:46
